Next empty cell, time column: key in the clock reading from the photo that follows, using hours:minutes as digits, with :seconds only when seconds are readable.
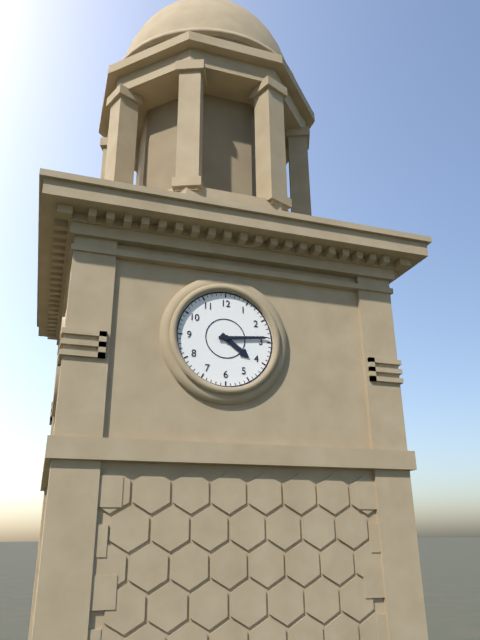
4:14
